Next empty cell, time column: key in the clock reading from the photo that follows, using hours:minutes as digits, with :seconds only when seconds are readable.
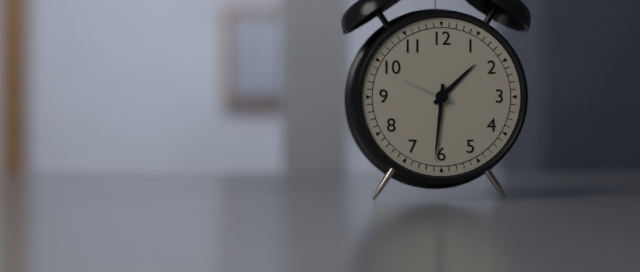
1:31:49
